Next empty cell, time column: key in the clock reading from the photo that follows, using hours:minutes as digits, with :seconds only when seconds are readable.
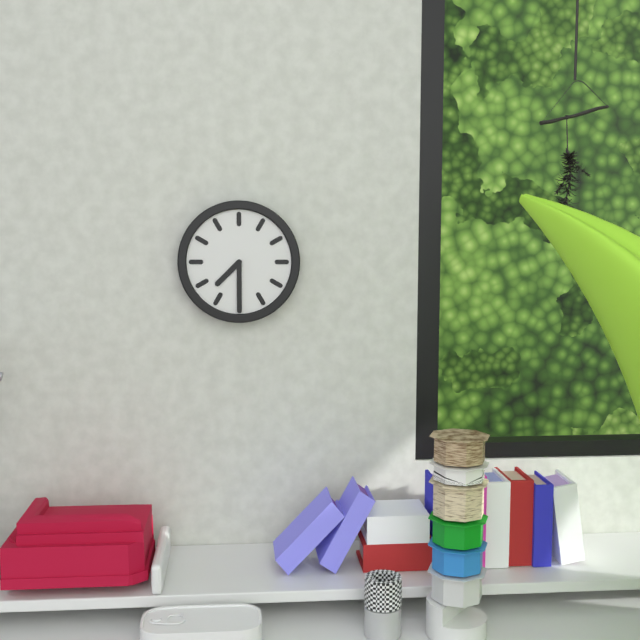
7:30
